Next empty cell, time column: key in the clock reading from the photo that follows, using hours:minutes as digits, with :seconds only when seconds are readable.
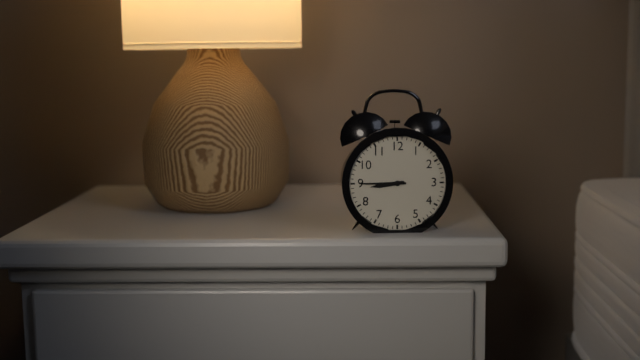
8:45
